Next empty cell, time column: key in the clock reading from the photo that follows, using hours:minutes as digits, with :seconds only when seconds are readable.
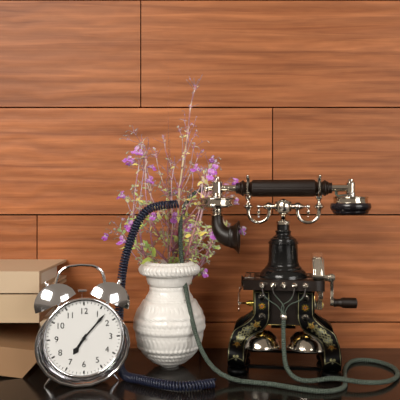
7:07
